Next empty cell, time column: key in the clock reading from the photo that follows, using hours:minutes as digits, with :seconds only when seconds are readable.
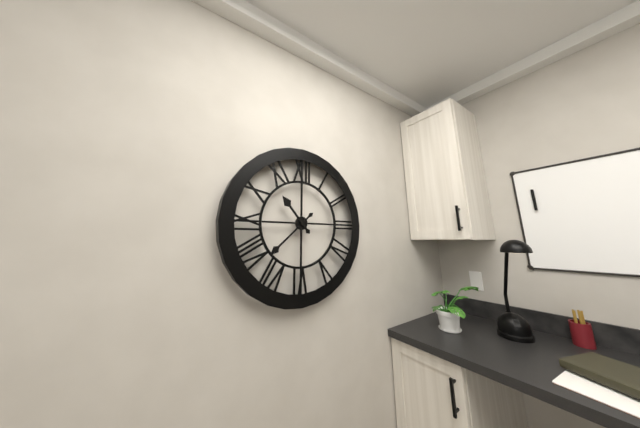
10:38
